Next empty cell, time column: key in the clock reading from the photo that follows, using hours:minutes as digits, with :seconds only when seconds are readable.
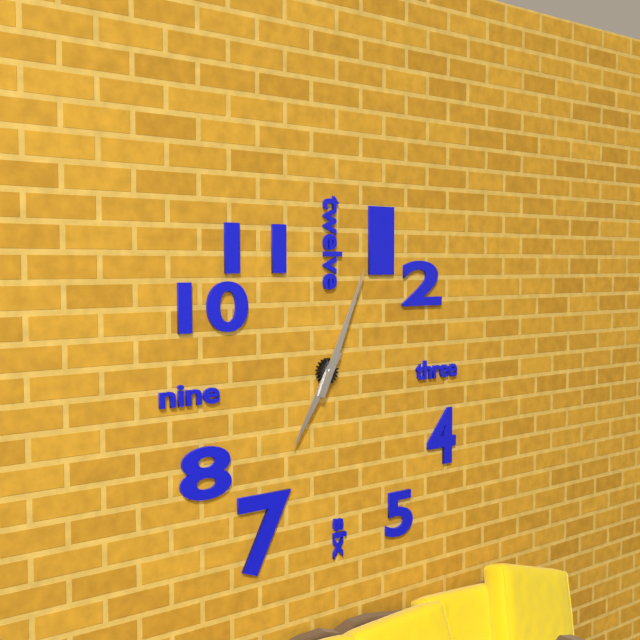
7:04
